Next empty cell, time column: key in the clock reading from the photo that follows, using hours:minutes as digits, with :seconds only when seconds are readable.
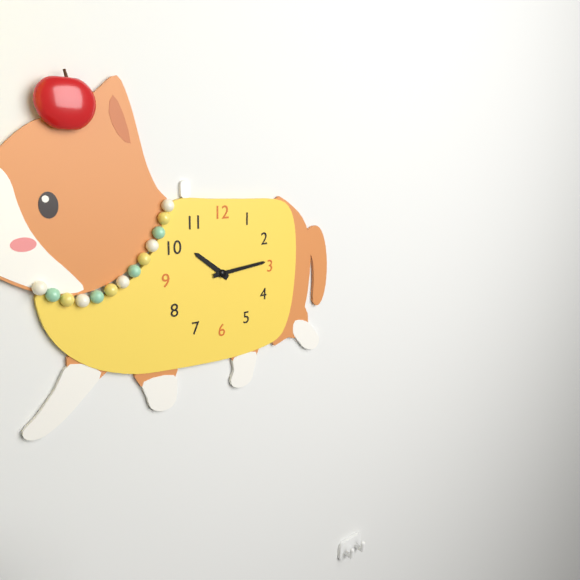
10:14
